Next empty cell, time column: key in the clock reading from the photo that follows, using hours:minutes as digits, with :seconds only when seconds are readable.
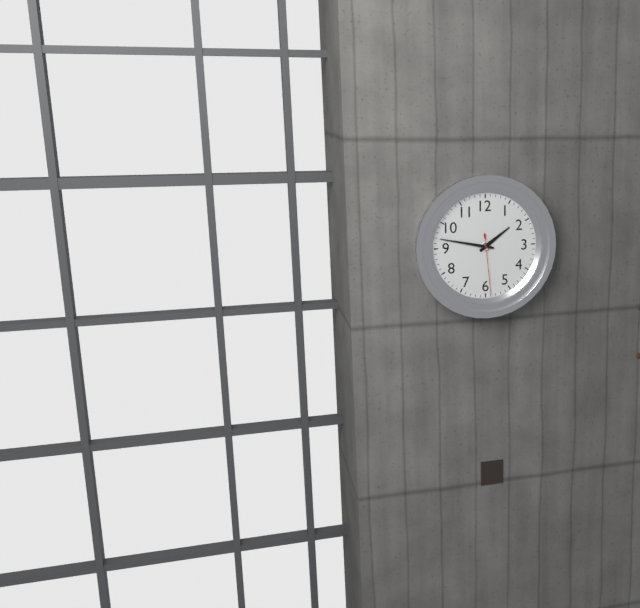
1:47:29
